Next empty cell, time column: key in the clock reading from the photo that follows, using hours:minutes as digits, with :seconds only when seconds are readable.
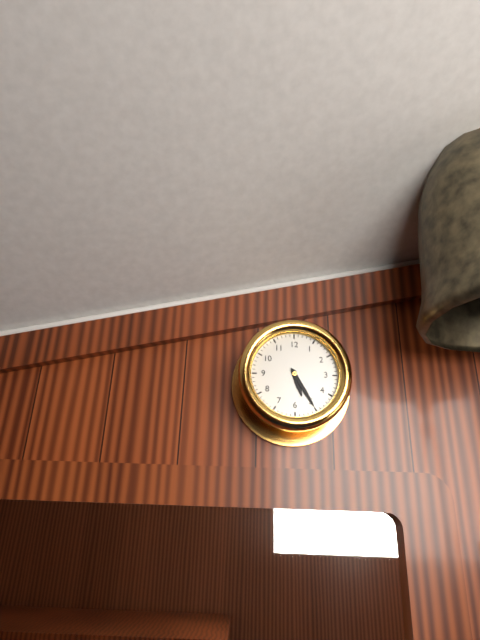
5:25
